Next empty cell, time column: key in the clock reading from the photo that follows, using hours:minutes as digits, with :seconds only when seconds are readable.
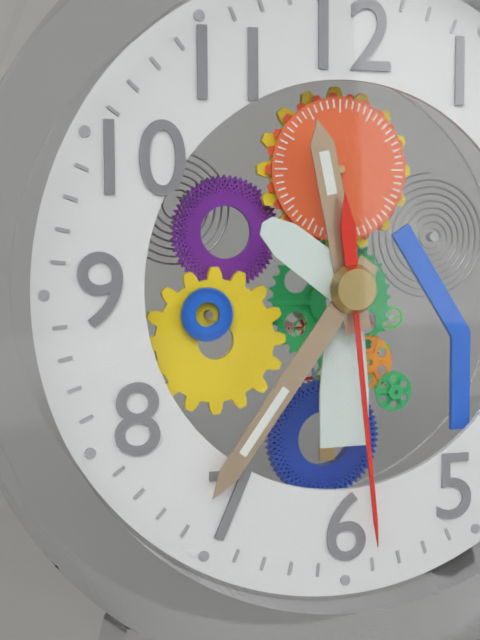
11:36:29
